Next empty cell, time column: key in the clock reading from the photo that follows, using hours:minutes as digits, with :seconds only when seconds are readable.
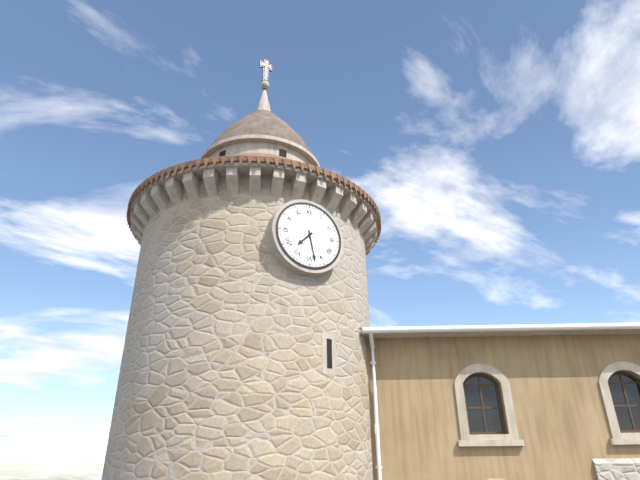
7:28
